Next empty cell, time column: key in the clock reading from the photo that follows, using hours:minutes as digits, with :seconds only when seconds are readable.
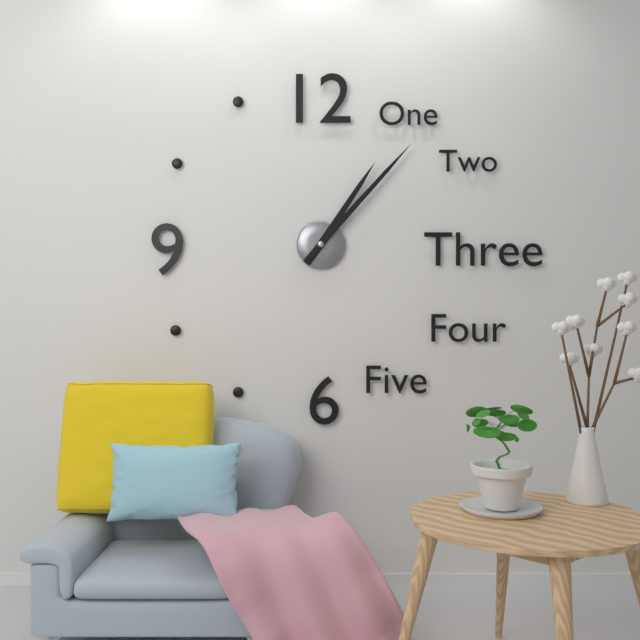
1:07
